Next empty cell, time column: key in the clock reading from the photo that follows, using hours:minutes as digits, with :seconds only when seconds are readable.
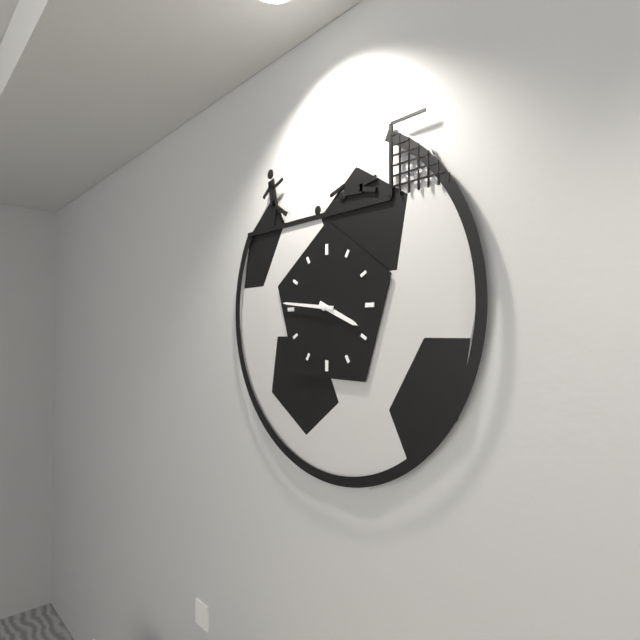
3:46
